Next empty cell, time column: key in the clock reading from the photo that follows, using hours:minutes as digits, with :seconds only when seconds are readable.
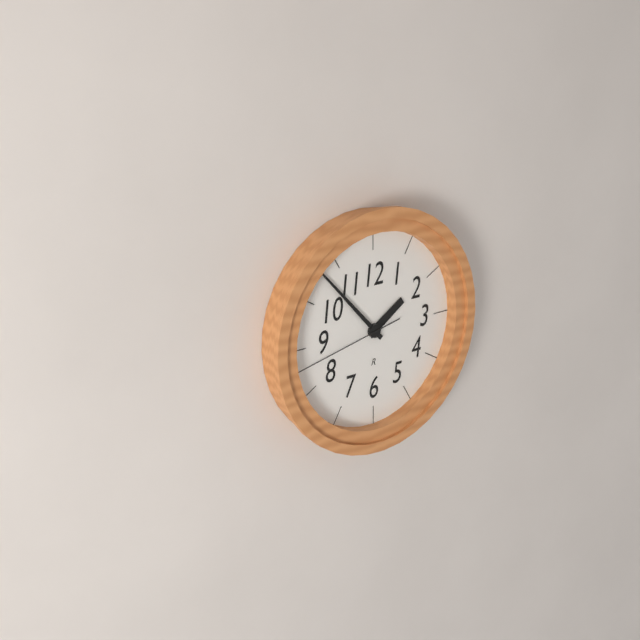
1:53:43
